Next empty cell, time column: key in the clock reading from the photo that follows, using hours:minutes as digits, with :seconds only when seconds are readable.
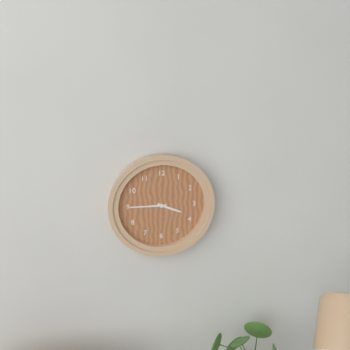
3:45
